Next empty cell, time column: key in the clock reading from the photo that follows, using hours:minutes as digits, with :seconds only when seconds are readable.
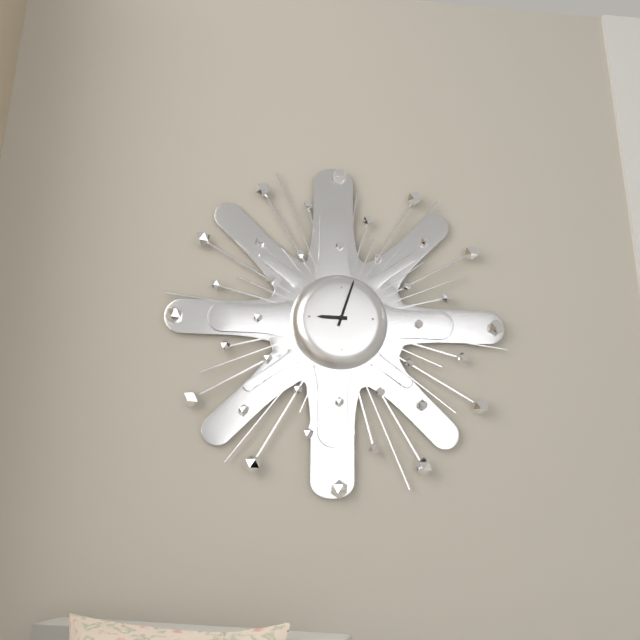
9:03
